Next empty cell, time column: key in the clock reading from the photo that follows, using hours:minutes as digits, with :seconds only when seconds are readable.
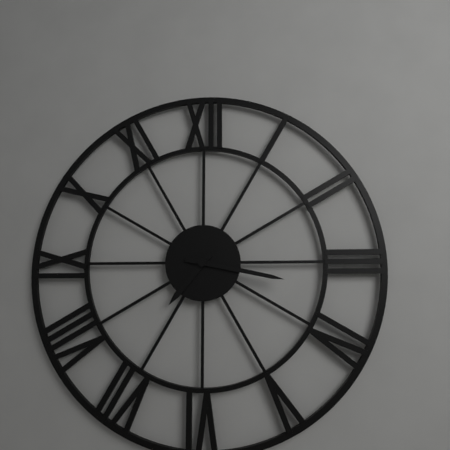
7:17
